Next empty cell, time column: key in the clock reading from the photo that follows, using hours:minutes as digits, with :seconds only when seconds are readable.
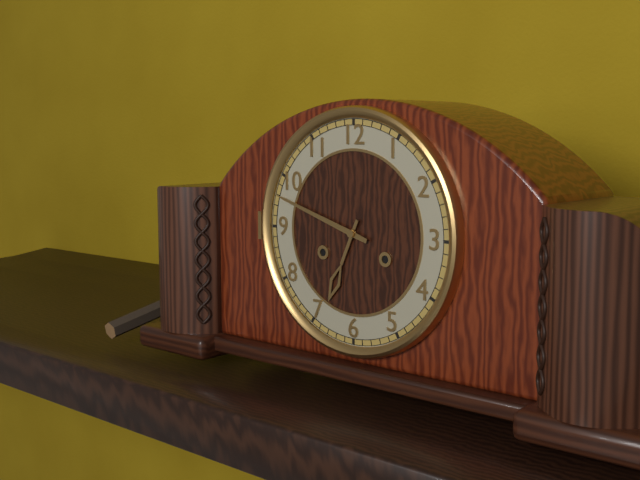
6:48
